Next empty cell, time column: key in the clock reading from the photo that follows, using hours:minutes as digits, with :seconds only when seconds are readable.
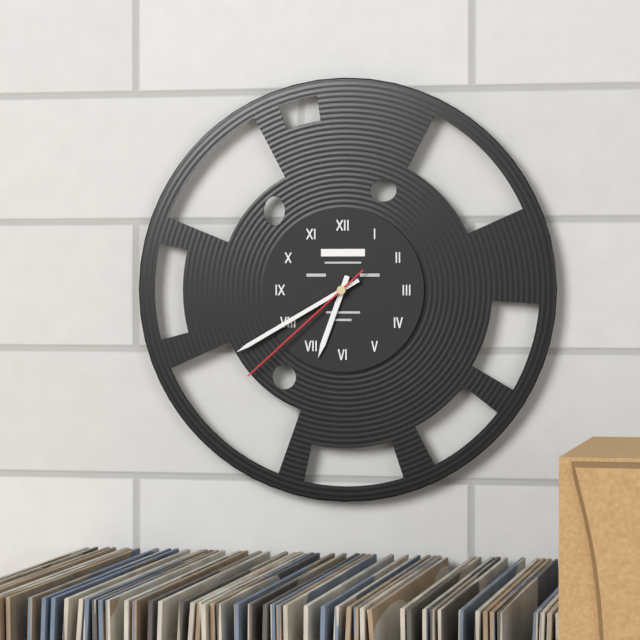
6:40:38
